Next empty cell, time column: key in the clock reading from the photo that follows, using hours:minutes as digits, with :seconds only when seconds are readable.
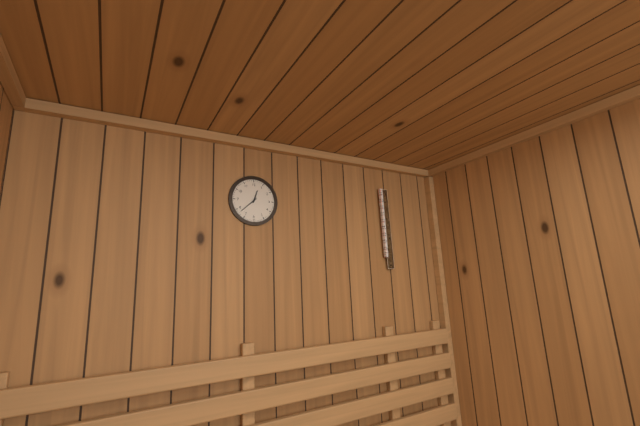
12:38
